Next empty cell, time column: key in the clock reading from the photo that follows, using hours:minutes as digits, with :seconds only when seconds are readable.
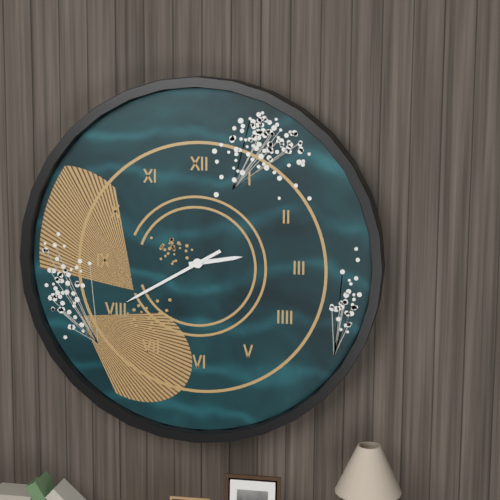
2:40
